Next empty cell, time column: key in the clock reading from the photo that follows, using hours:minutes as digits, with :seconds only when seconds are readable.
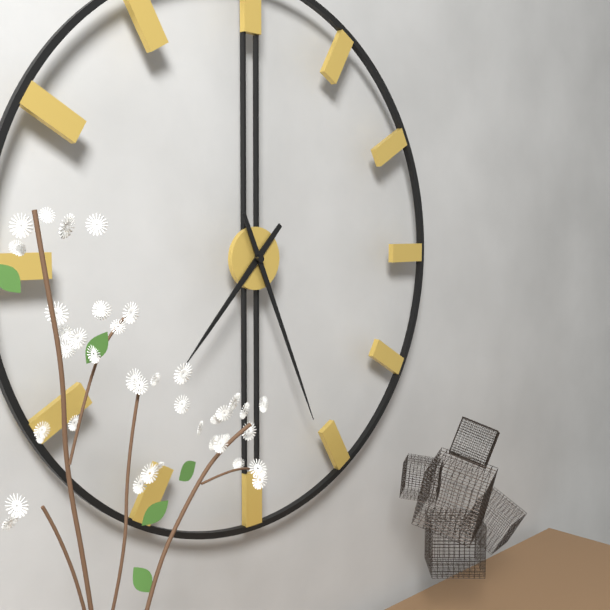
7:26
